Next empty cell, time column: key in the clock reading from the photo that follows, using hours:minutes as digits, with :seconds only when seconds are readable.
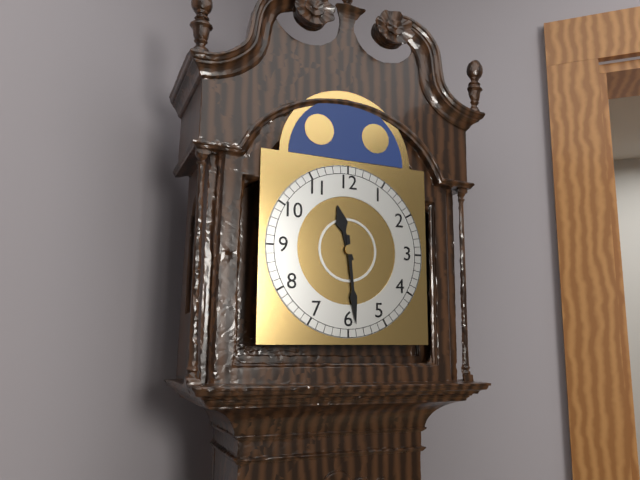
11:29
